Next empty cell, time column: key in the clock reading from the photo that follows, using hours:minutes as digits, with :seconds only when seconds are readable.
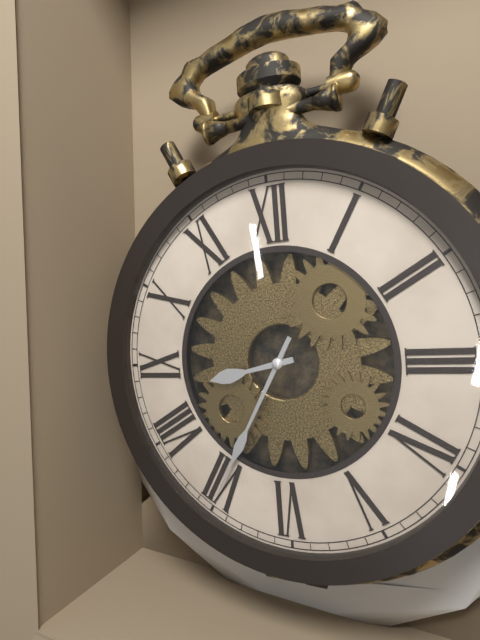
8:35
